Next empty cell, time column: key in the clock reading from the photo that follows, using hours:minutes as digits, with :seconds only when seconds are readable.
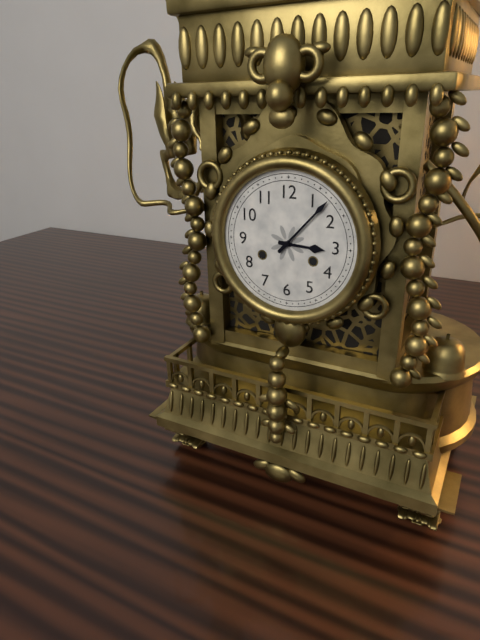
3:07
